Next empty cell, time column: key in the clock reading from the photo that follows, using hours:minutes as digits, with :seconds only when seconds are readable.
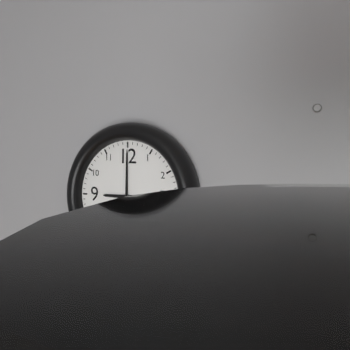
9:00
